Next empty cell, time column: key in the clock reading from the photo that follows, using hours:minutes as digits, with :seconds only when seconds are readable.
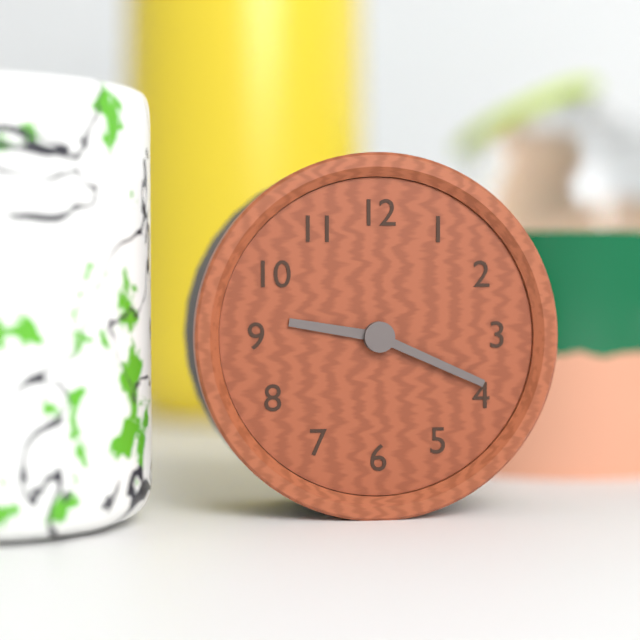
9:19
